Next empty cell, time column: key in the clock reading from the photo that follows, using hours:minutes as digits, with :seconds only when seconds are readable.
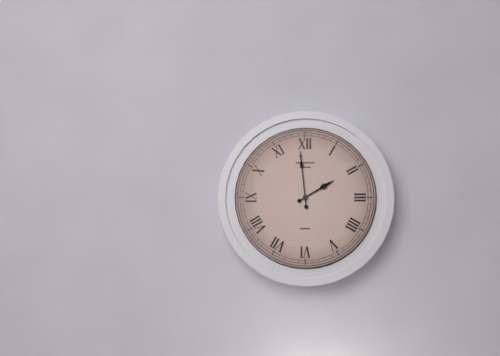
1:59
